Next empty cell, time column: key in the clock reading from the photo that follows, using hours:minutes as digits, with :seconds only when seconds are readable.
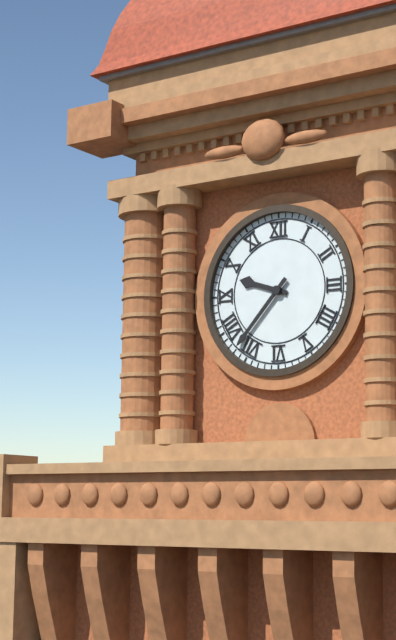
9:37
